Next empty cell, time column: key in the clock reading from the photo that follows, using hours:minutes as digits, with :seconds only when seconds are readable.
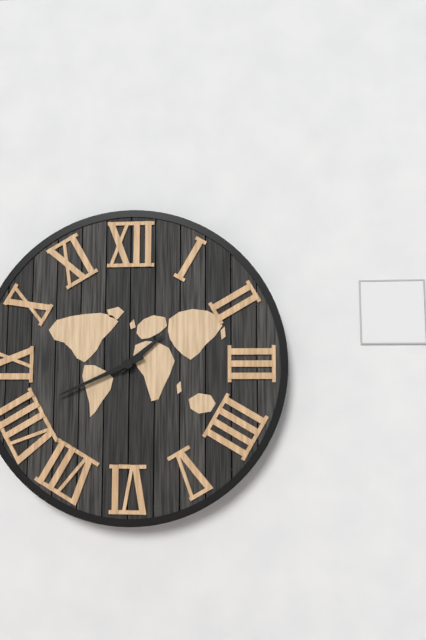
1:41
